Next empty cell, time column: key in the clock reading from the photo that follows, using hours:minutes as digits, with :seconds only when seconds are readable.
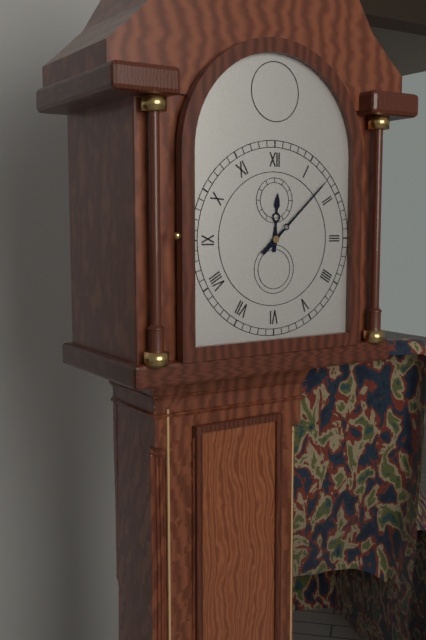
12:08
